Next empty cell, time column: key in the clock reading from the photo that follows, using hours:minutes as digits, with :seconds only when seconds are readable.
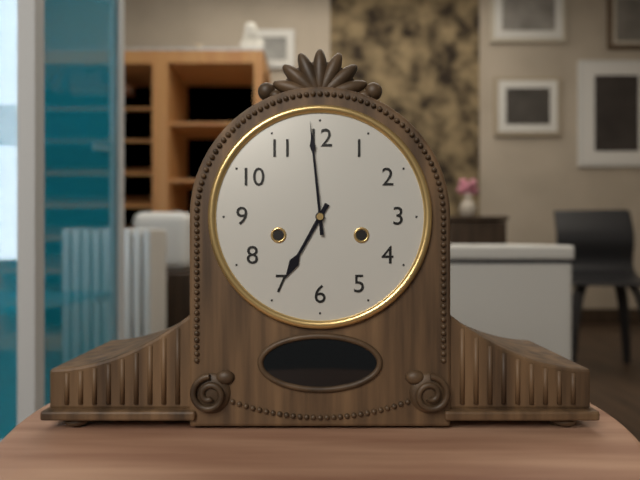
6:59
